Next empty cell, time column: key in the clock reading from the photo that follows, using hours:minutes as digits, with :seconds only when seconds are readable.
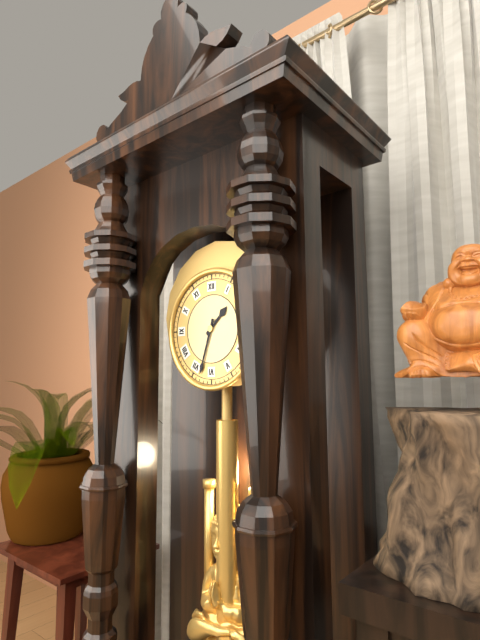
1:33
